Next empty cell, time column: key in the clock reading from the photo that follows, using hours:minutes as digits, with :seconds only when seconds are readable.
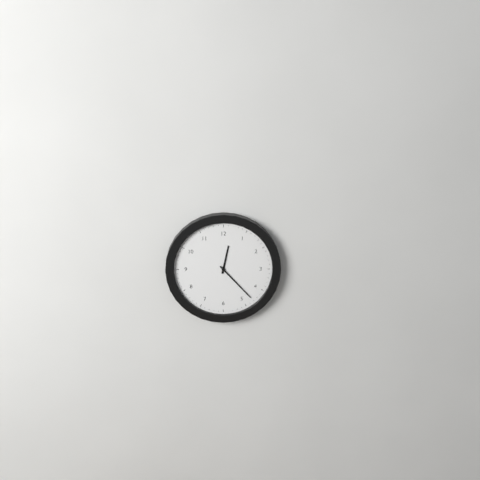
12:23
